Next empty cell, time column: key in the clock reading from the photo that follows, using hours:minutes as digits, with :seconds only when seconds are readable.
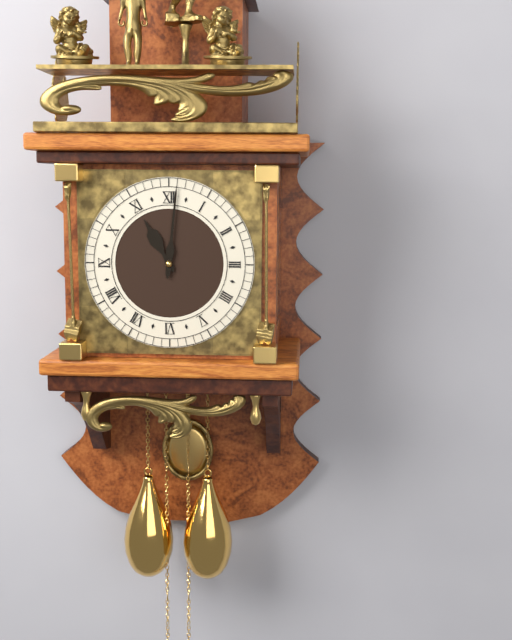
11:01
